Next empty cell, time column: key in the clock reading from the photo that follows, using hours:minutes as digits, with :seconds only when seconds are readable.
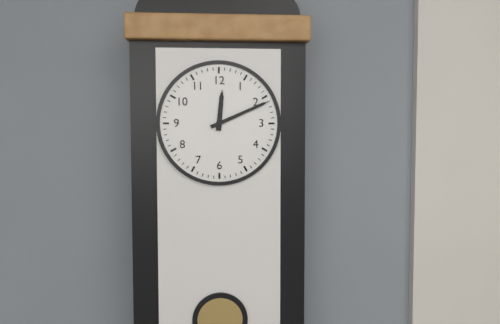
12:11
